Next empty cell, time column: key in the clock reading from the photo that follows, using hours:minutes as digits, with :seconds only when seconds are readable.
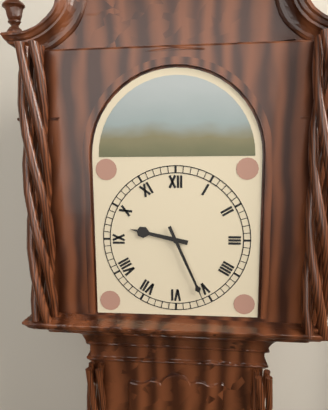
9:26
